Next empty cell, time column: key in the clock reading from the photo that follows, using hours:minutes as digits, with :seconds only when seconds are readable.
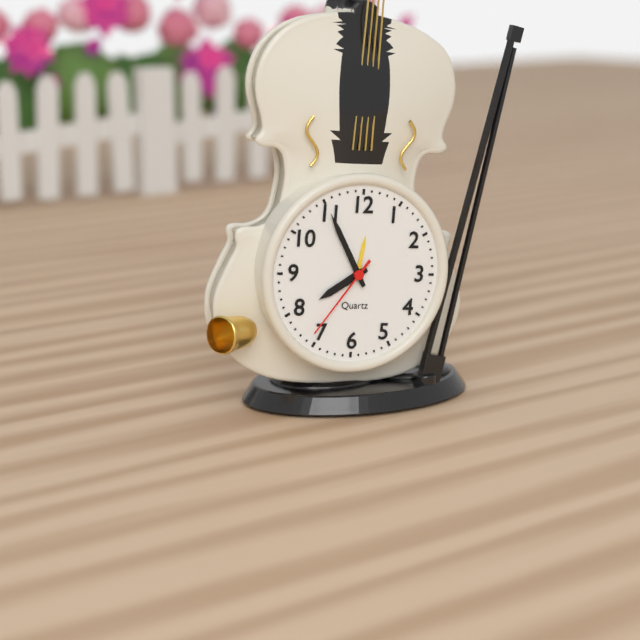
7:55:36
